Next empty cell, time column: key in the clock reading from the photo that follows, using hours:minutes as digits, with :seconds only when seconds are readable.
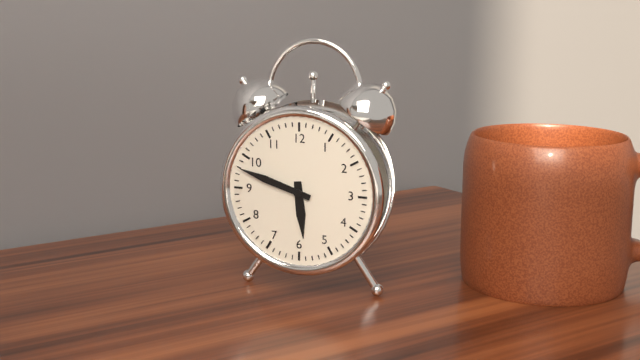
5:48
